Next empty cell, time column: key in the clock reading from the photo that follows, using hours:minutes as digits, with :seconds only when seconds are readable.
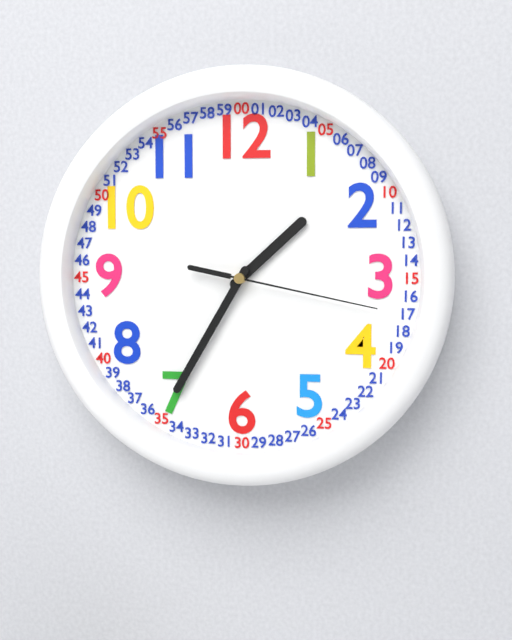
1:35:17
